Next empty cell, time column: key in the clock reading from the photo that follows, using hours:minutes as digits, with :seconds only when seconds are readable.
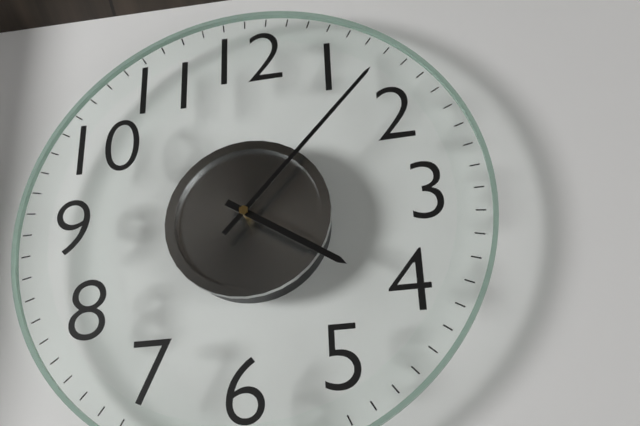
4:07
